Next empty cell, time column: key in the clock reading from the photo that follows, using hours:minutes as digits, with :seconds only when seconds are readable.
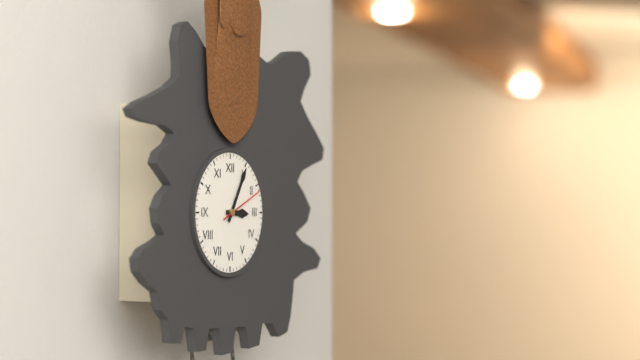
3:05
